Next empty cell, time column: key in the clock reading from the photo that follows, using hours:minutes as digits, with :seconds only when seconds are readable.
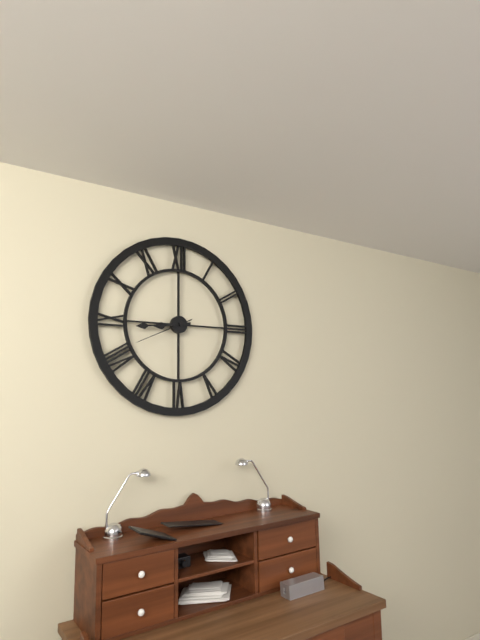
8:44:41
